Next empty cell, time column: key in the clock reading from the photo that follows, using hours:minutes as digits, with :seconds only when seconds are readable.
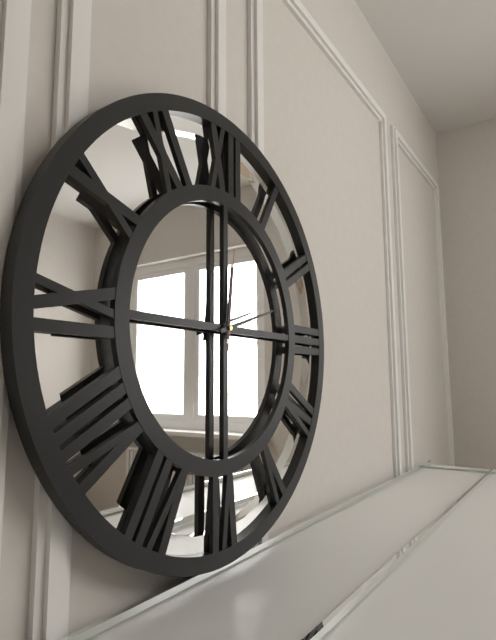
12:12:01
